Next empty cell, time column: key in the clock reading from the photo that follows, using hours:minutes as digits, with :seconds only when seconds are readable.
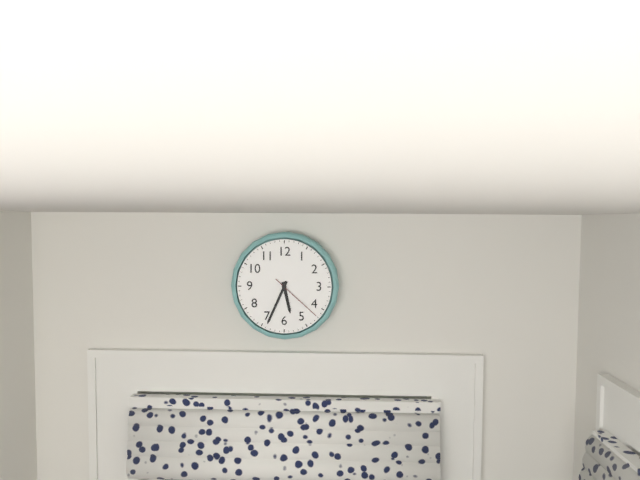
5:34:22
